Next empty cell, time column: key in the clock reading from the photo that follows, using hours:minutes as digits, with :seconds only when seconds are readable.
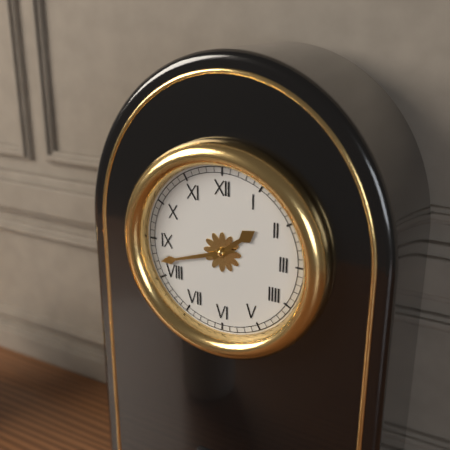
1:42
